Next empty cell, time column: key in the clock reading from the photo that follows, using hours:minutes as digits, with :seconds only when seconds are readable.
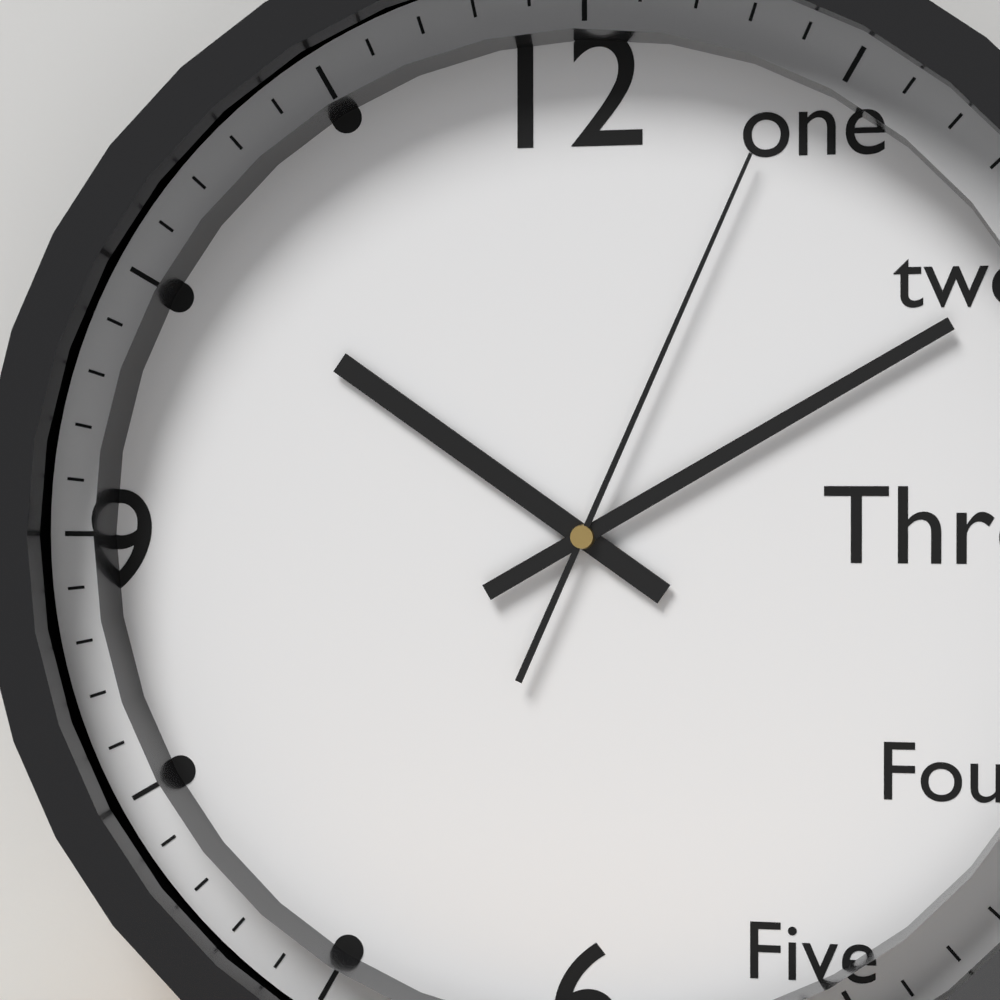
10:10:04
